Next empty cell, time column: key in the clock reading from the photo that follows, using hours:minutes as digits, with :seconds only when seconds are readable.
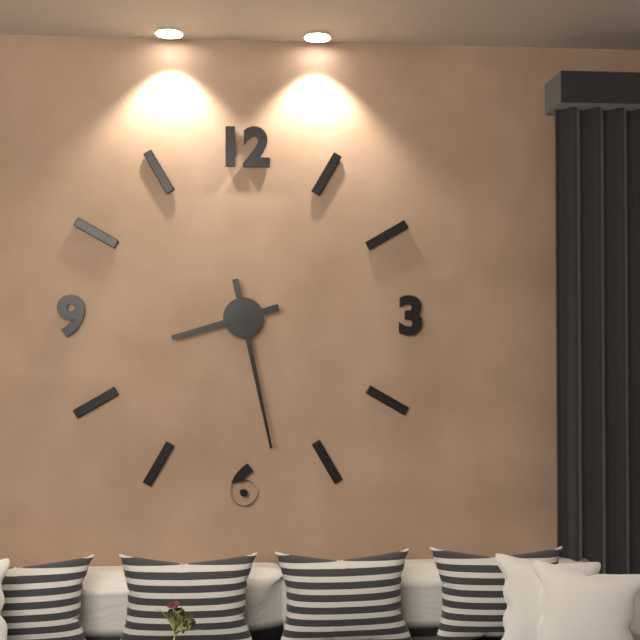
8:28
